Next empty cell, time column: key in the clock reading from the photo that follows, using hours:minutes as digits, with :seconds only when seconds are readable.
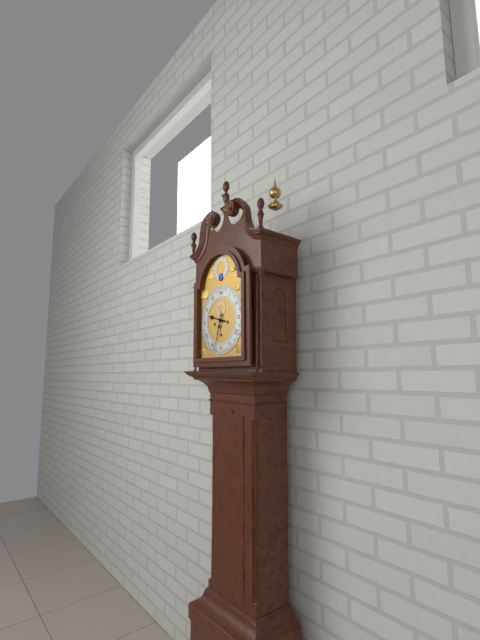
9:33
